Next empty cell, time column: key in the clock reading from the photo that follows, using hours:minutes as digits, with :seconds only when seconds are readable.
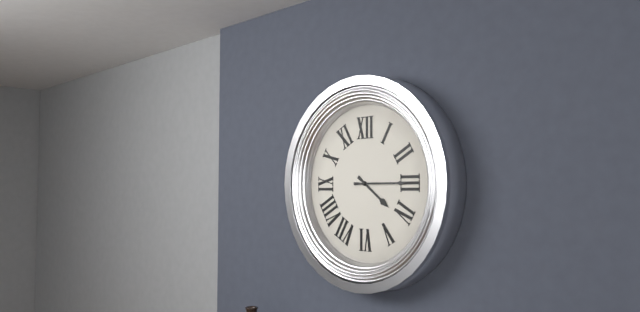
4:15
